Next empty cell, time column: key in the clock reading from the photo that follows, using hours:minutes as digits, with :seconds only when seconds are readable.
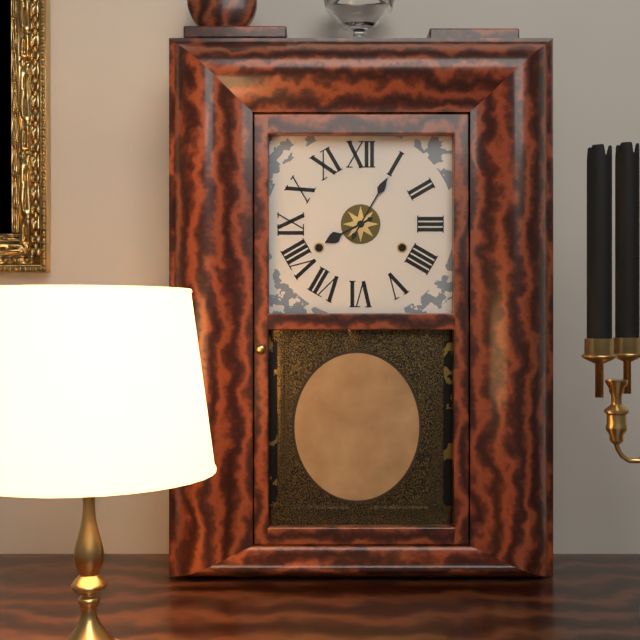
8:05
